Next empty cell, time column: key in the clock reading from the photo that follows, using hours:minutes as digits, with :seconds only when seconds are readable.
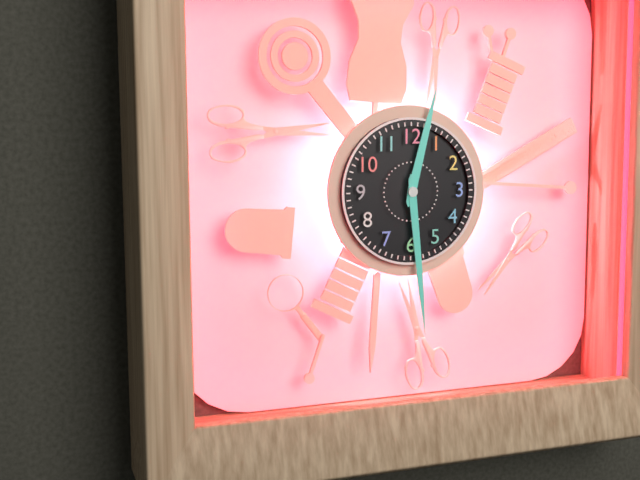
12:29
